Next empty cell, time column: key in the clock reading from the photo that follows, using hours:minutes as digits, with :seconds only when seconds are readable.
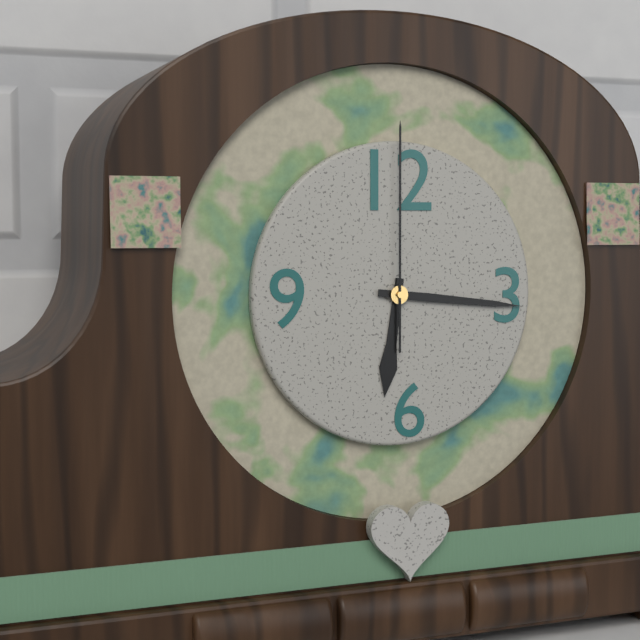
6:16:00
